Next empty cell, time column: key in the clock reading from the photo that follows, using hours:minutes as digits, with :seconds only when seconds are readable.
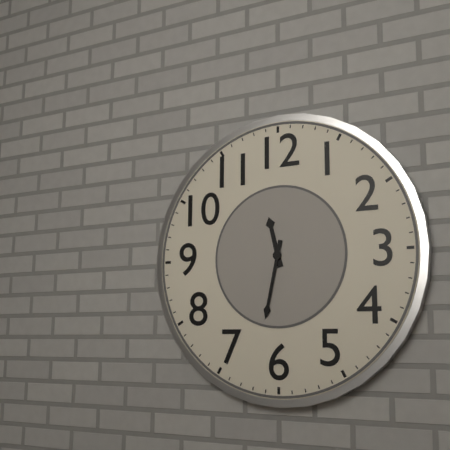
11:32
